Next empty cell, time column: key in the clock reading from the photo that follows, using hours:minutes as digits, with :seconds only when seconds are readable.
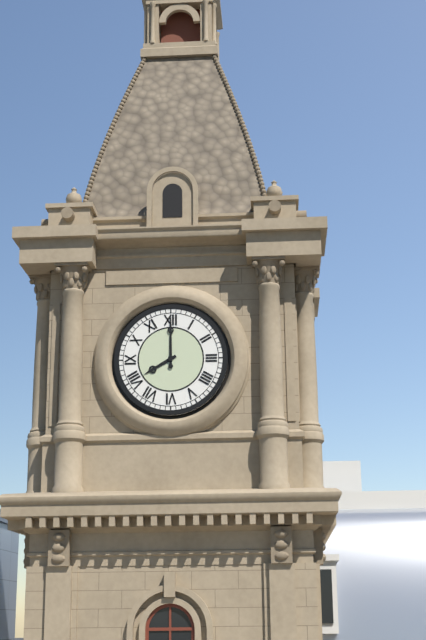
8:00
